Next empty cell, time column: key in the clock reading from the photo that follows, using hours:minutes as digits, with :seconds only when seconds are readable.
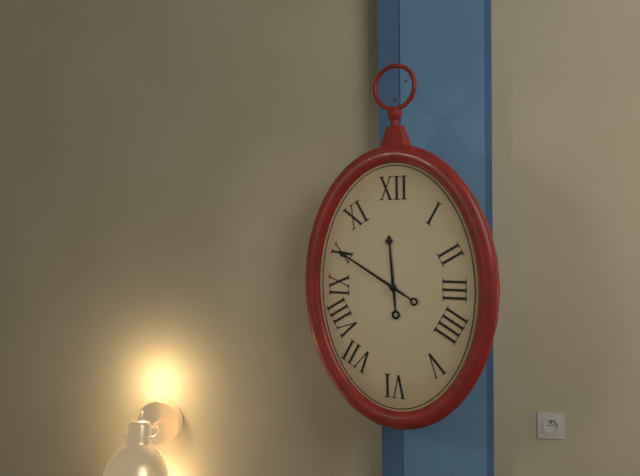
11:50
